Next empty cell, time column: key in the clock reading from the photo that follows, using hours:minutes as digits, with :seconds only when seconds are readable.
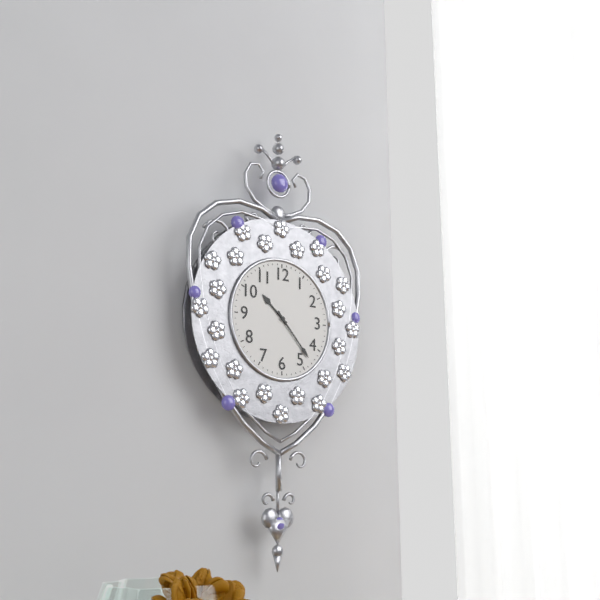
10:23
